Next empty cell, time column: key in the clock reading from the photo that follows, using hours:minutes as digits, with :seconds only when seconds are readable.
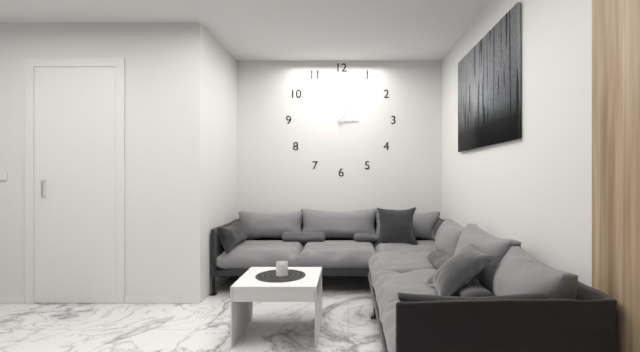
3:04
